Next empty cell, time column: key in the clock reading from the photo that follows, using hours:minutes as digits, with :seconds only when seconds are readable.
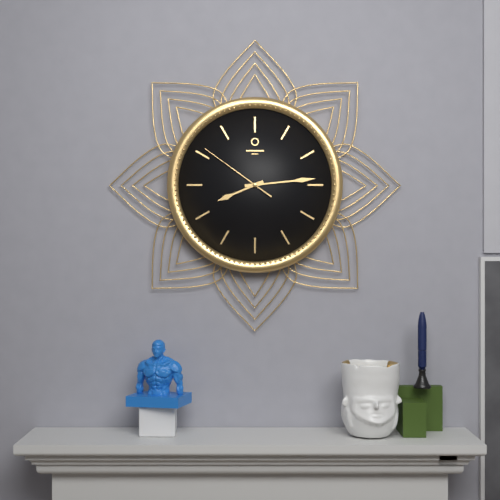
8:14:51
